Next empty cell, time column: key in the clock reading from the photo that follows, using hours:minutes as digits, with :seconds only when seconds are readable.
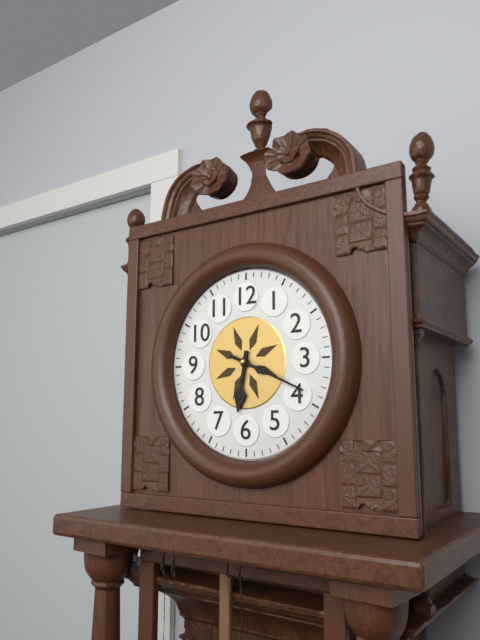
6:19
